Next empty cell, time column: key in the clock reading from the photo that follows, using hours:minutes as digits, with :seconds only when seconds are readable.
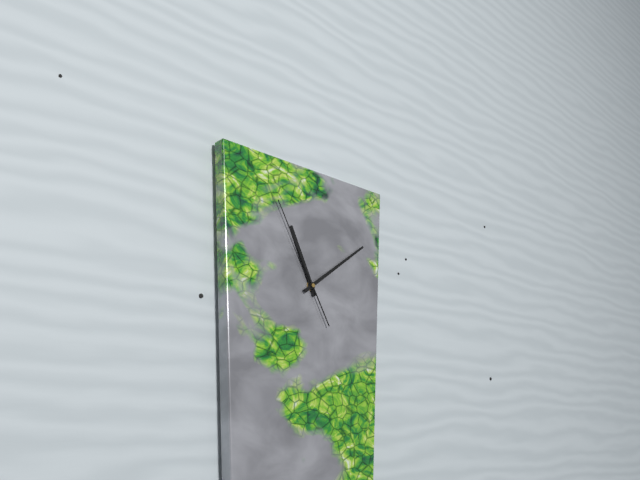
11:09:55
